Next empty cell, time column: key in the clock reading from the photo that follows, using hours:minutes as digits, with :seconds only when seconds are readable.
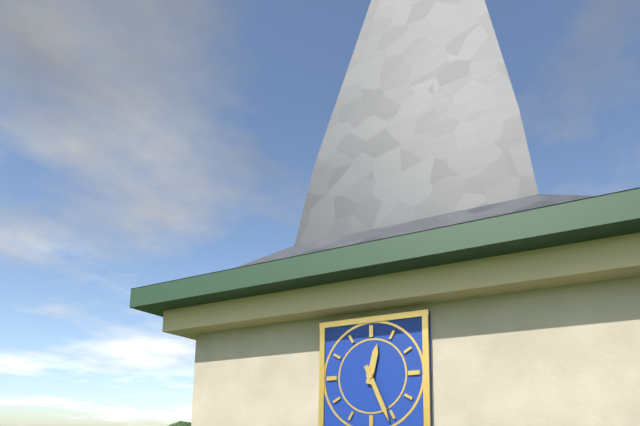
12:26
